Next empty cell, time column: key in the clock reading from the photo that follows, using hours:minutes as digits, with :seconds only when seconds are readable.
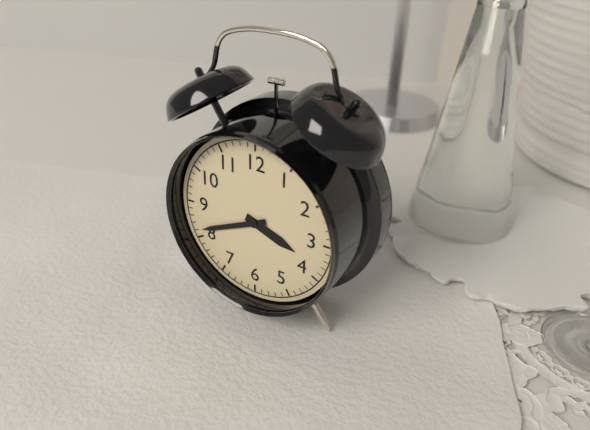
3:41
